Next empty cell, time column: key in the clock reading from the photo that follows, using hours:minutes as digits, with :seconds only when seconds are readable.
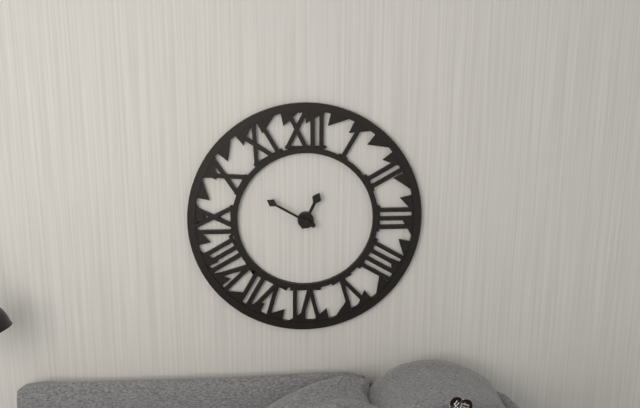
12:50
